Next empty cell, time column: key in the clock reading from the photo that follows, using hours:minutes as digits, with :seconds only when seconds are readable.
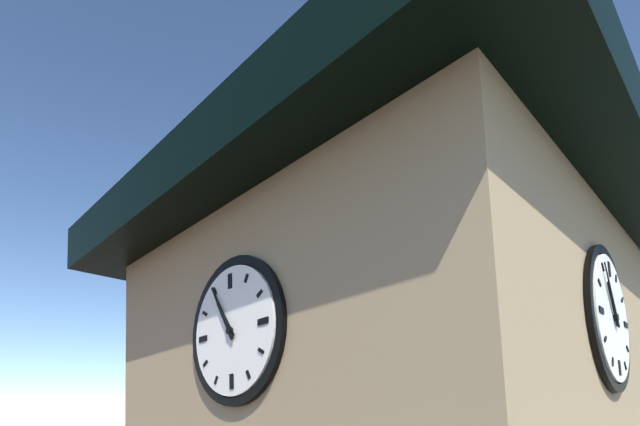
10:55
